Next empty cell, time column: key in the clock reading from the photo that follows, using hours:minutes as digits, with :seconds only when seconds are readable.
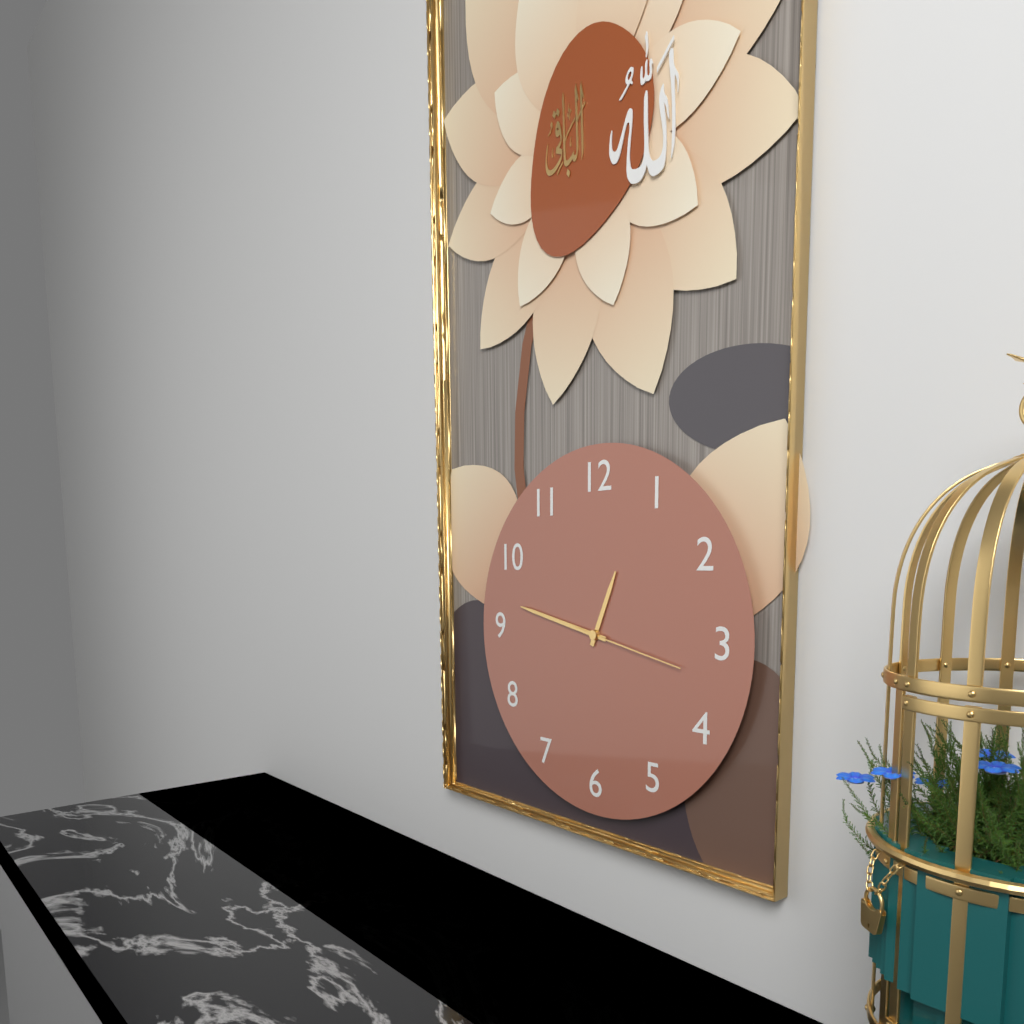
12:47:17
